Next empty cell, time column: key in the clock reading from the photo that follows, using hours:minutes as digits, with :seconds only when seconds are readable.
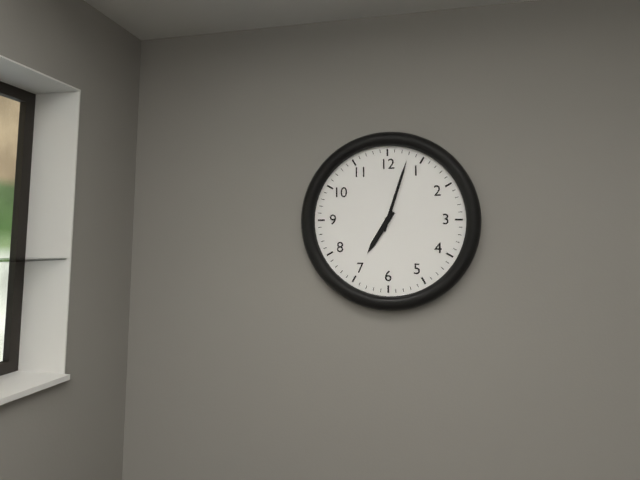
7:03
